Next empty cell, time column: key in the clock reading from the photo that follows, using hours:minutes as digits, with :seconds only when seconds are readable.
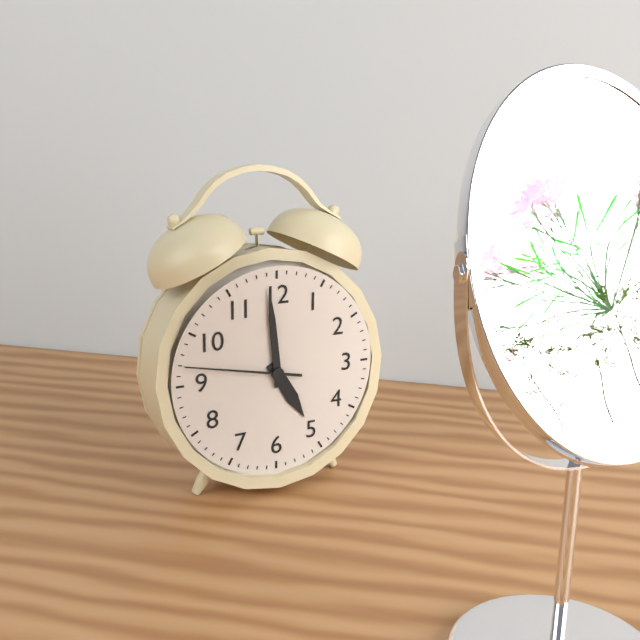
4:59:47
